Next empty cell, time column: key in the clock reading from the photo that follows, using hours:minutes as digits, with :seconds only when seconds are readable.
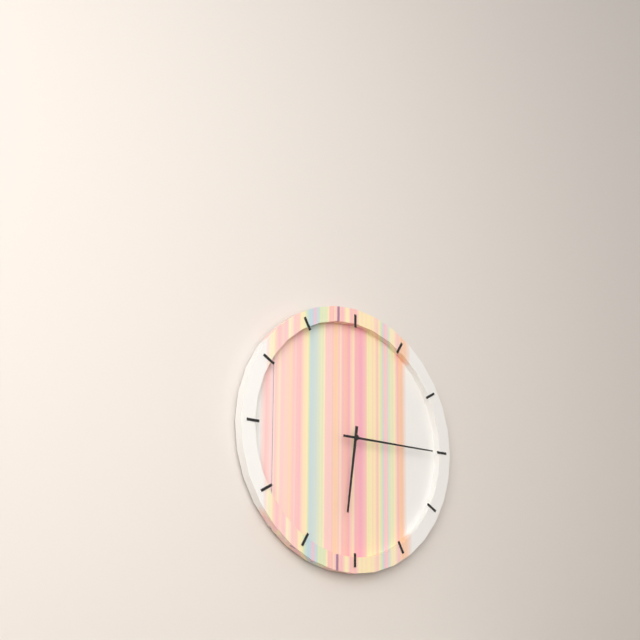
6:15
